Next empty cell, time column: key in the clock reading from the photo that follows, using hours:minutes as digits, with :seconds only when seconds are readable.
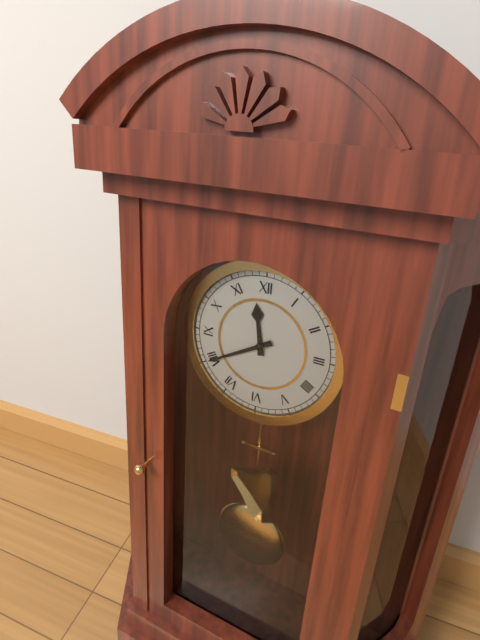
11:40
